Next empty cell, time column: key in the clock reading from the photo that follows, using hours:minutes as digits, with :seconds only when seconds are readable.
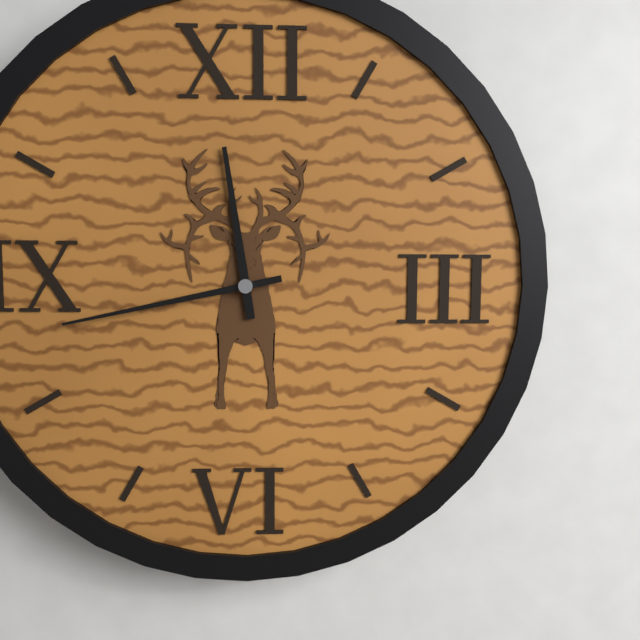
11:43
